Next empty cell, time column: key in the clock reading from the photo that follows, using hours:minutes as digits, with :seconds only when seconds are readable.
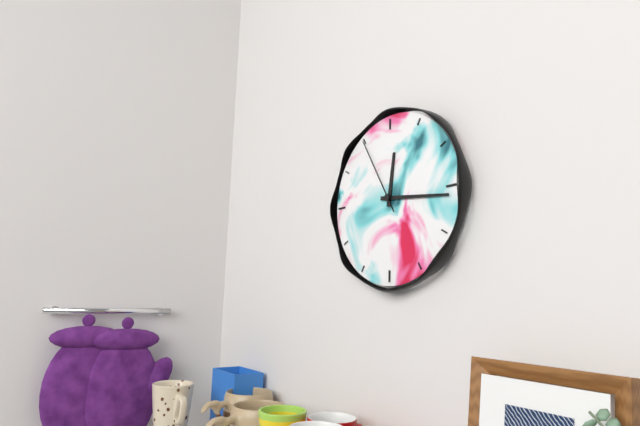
12:16:55
